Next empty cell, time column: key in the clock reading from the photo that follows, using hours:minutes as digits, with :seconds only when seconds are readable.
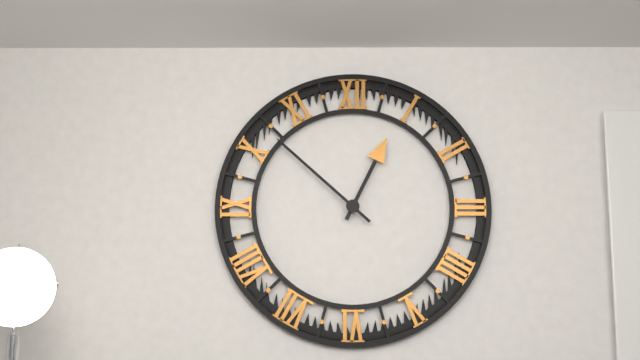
12:52
